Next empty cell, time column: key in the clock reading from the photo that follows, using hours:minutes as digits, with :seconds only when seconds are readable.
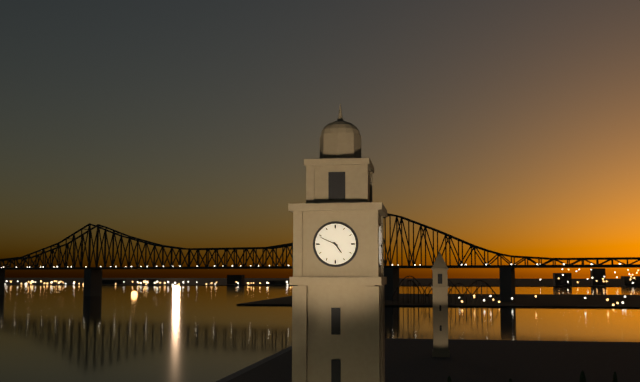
4:49
